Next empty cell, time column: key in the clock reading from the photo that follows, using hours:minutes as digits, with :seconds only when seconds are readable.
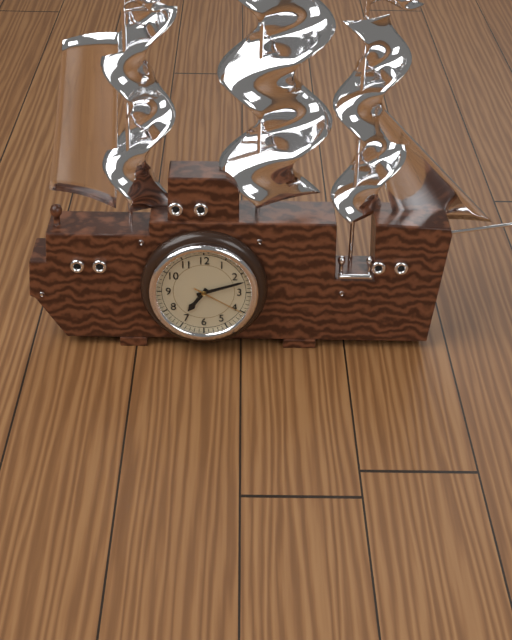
7:12:20
